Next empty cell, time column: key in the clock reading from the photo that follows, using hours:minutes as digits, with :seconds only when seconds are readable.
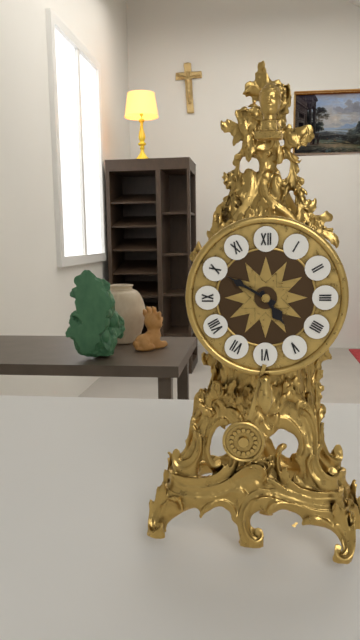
4:50
